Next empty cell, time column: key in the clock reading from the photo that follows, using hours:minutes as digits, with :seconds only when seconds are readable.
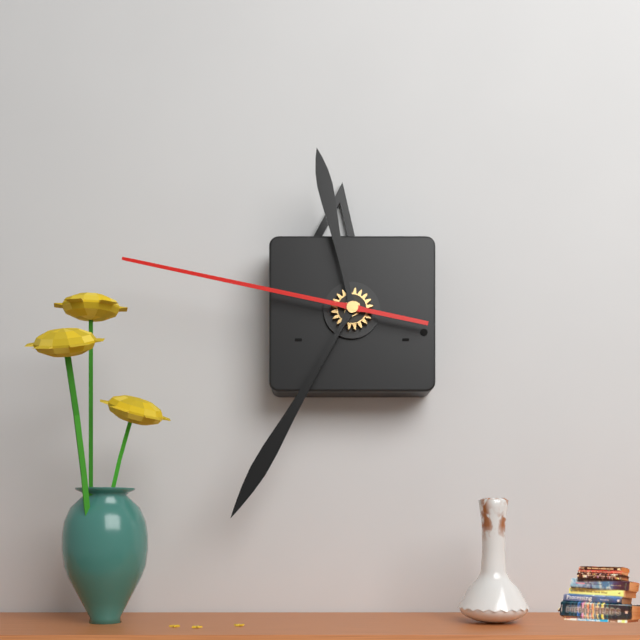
11:35:47
